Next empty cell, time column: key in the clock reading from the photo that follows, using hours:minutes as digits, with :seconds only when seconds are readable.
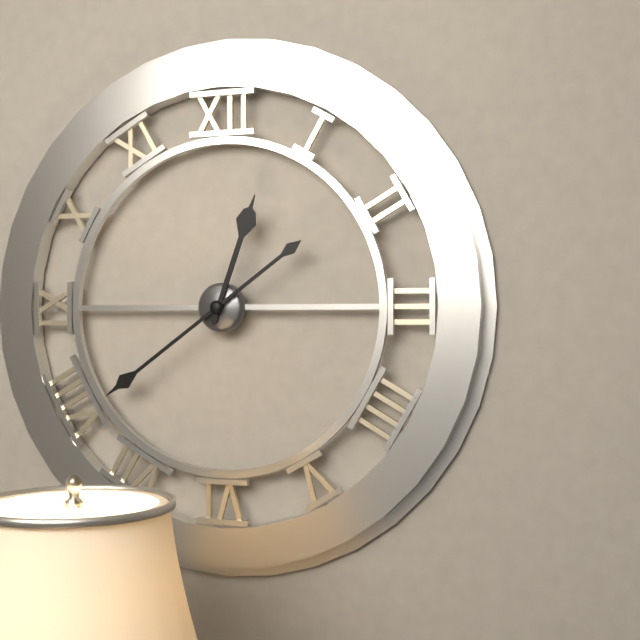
12:39
